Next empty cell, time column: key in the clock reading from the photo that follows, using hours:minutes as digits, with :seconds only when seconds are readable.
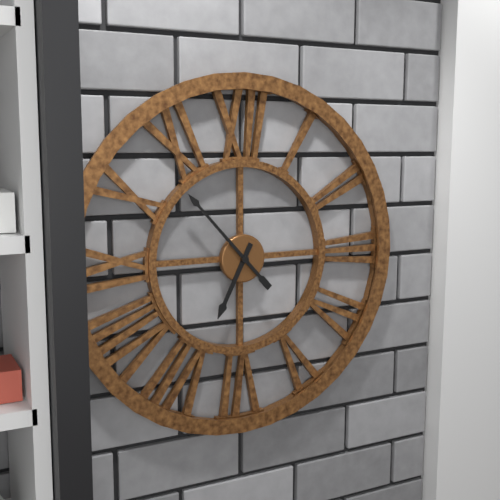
6:53
